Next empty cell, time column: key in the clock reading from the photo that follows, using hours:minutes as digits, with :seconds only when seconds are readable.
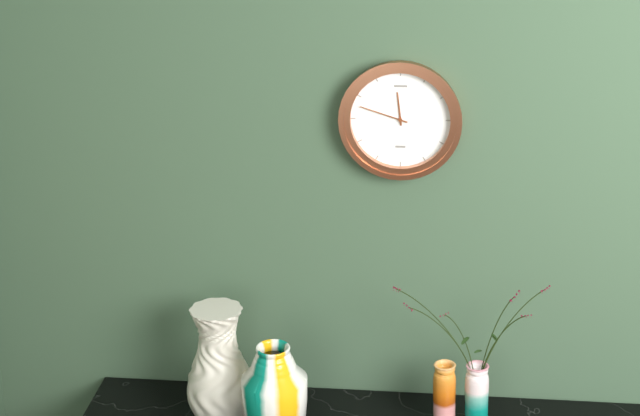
11:48
